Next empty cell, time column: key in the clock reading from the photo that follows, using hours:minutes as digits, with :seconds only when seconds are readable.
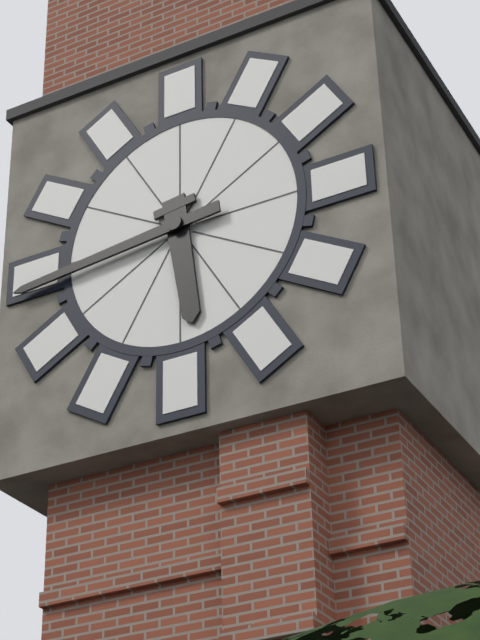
5:44
